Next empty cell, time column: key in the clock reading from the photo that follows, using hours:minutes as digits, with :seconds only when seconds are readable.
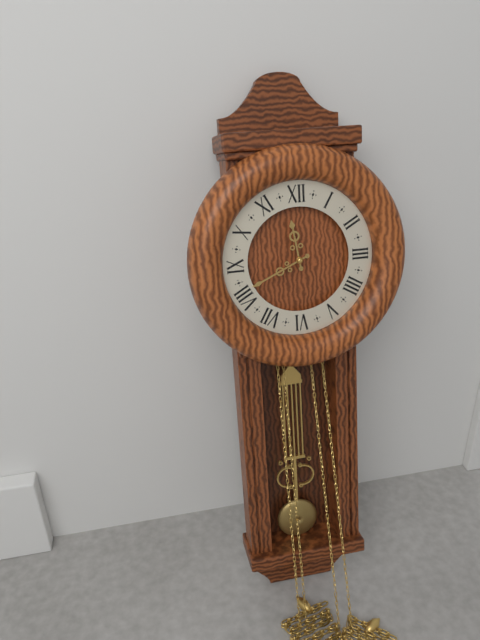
11:41
